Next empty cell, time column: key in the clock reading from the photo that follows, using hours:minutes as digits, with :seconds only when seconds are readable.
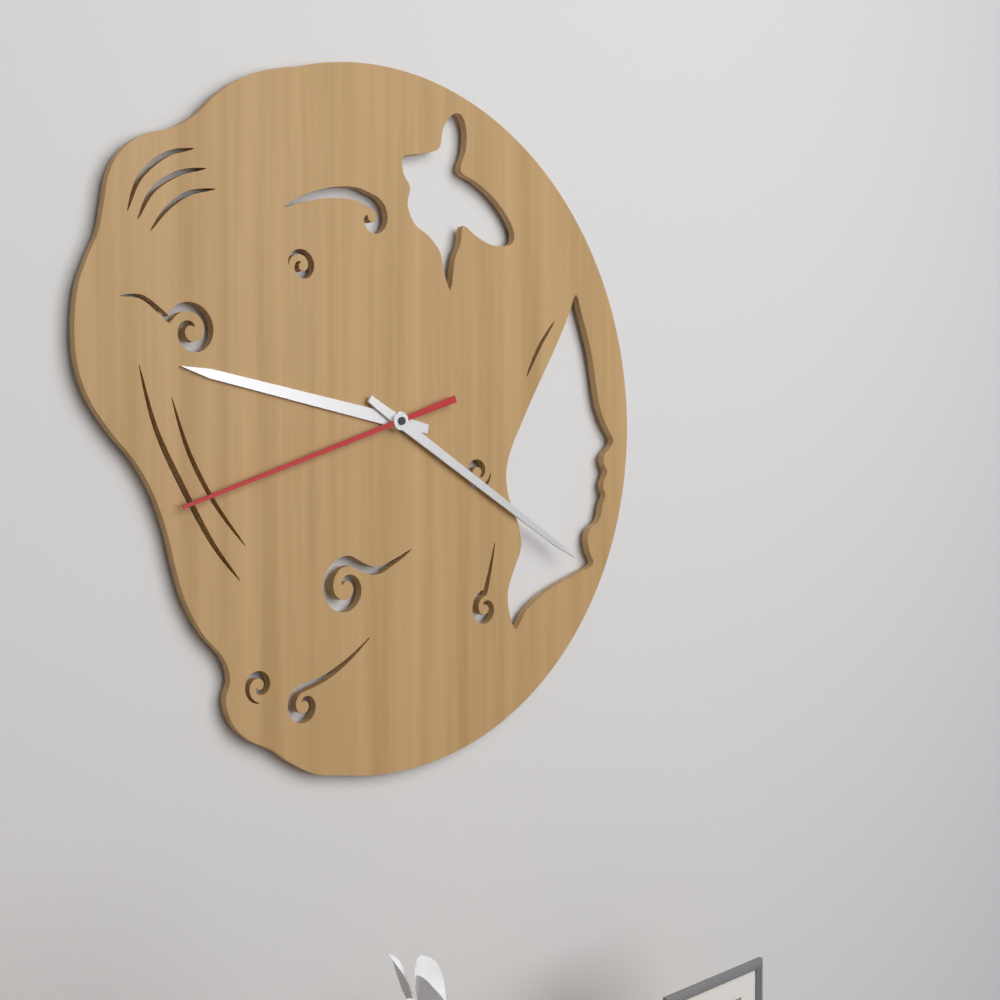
9:20:42
